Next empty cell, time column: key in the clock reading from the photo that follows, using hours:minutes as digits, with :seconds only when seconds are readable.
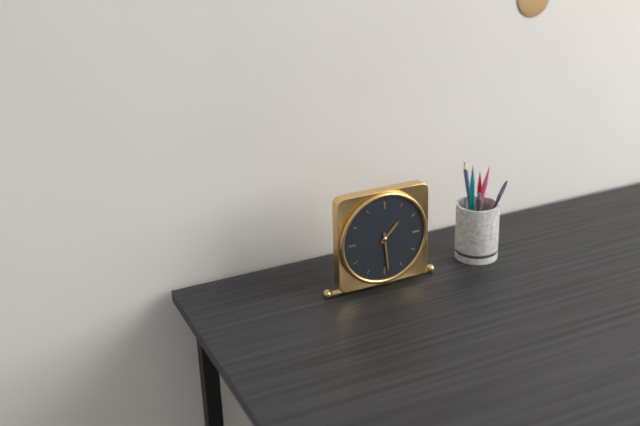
1:29
